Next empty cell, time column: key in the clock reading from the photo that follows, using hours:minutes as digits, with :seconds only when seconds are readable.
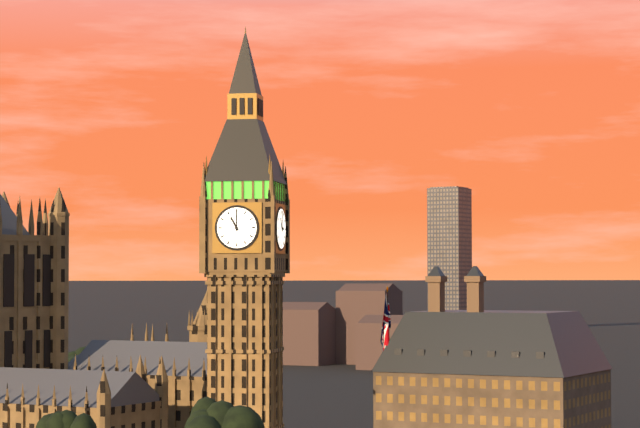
11:00
